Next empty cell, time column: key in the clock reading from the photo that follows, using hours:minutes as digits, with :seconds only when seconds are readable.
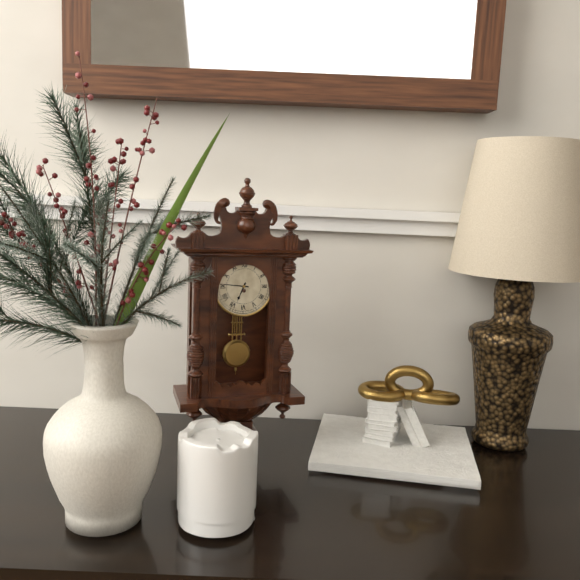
6:46
